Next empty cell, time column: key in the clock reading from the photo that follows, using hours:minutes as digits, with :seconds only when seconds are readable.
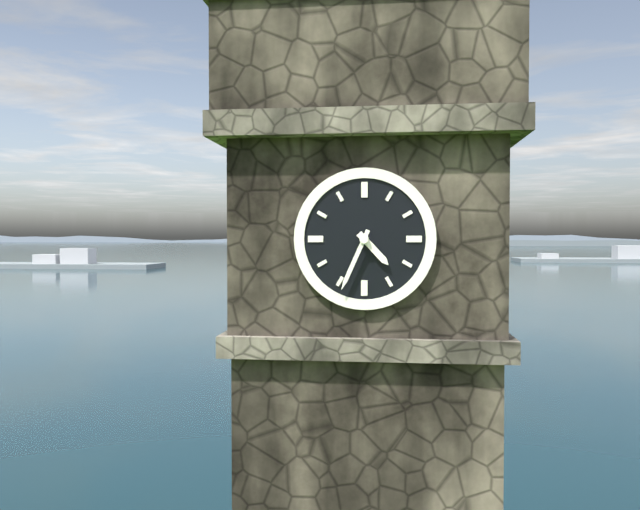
4:34
